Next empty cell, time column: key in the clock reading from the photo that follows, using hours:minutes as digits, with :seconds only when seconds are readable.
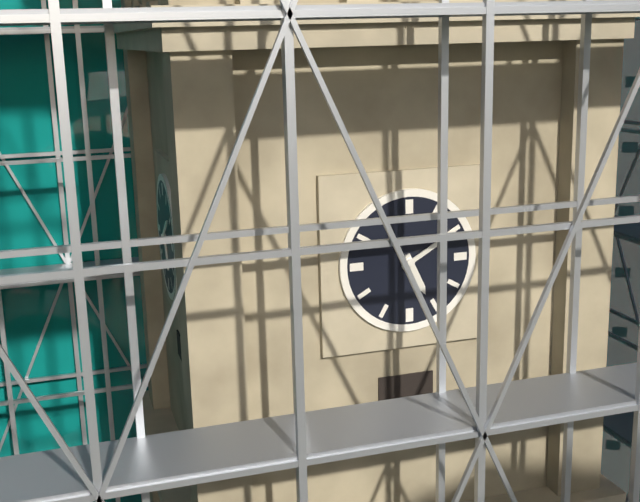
5:10
